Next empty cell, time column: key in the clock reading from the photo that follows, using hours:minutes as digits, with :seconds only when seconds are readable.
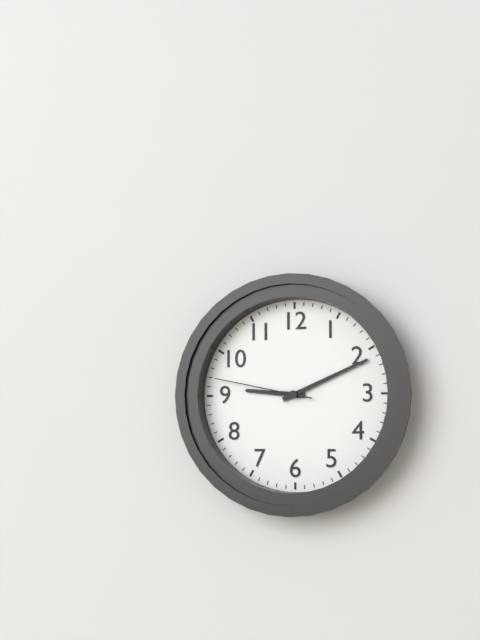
9:11:47
